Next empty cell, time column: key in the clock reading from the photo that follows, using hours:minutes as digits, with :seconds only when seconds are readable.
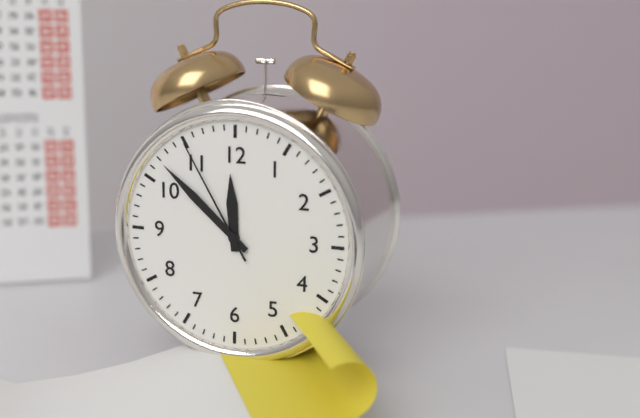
11:52:55
